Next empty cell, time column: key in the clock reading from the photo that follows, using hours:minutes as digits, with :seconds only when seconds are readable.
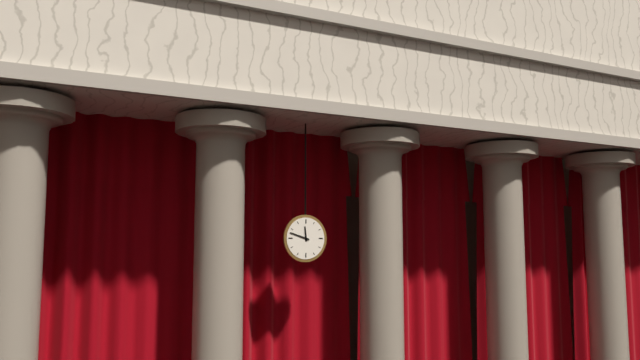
11:48
